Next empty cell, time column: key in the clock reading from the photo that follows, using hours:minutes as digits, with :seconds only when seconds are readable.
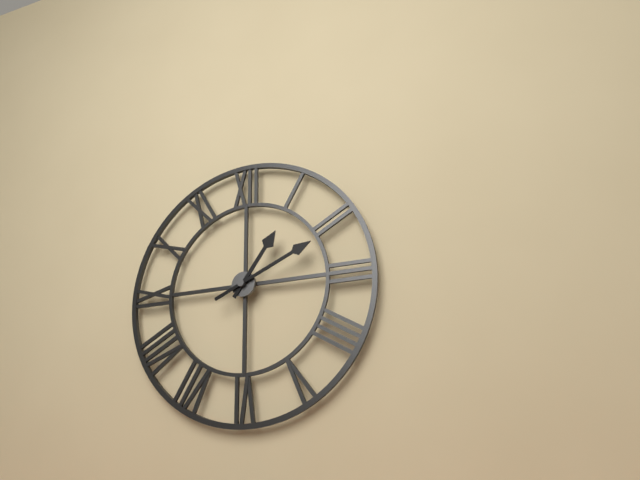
1:11
